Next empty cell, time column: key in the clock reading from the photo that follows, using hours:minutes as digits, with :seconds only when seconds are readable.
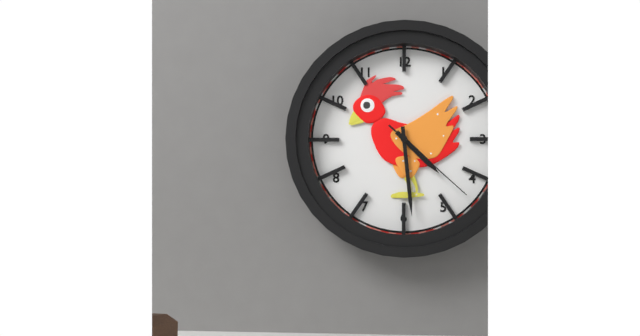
4:29:22
